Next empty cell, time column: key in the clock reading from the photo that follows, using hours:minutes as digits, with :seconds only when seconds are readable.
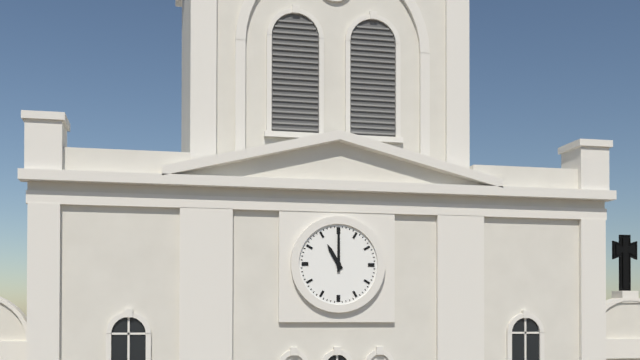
11:00
